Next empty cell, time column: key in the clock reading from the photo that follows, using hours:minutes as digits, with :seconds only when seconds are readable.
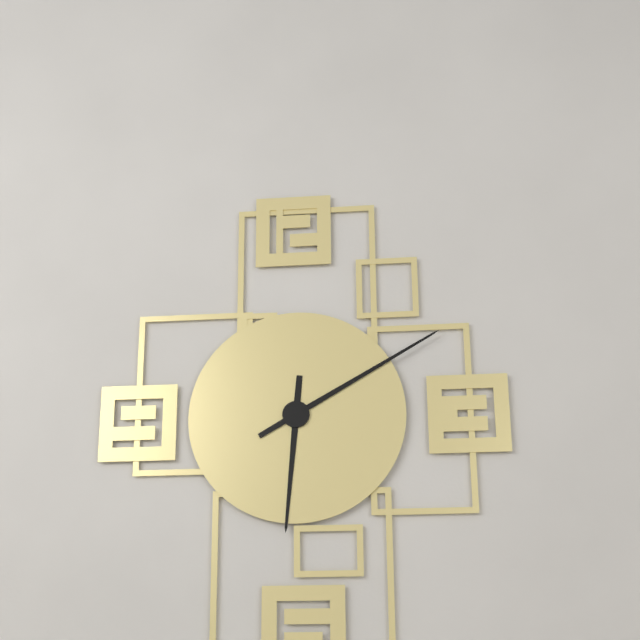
6:10
